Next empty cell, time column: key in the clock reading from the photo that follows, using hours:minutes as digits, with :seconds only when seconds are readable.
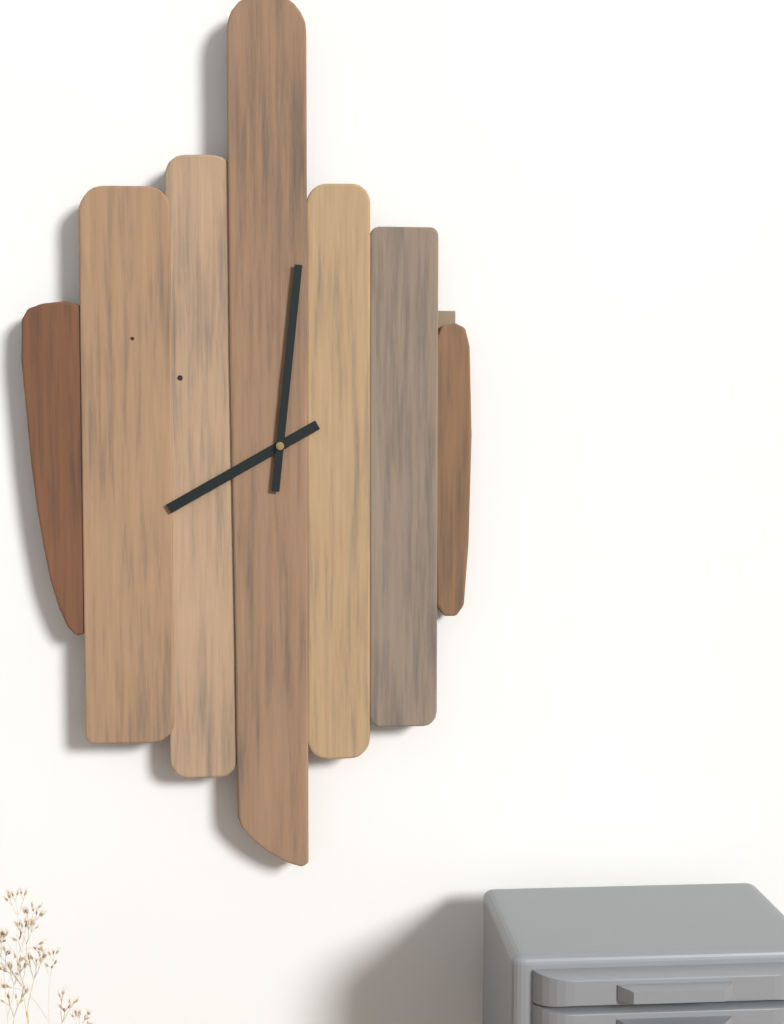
8:01
